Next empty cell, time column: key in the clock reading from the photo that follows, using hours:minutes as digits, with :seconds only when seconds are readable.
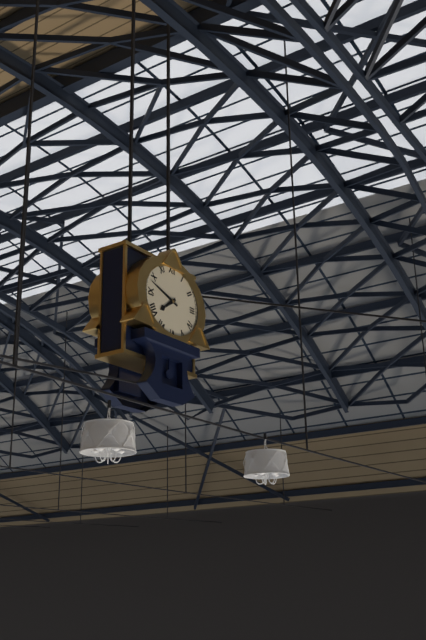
7:48
